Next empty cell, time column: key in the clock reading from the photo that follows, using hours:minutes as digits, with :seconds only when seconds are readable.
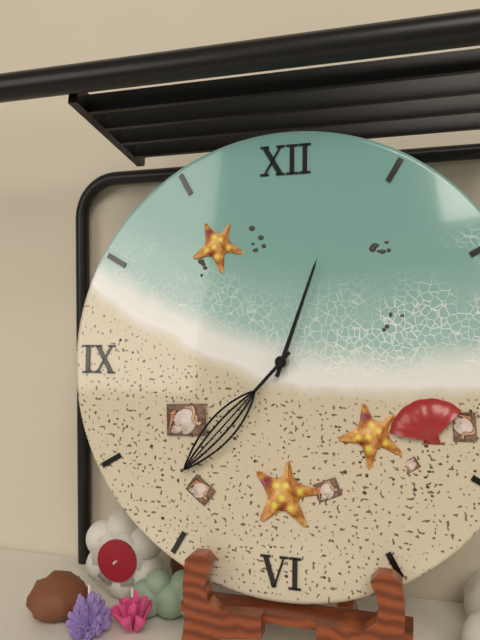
12:37
